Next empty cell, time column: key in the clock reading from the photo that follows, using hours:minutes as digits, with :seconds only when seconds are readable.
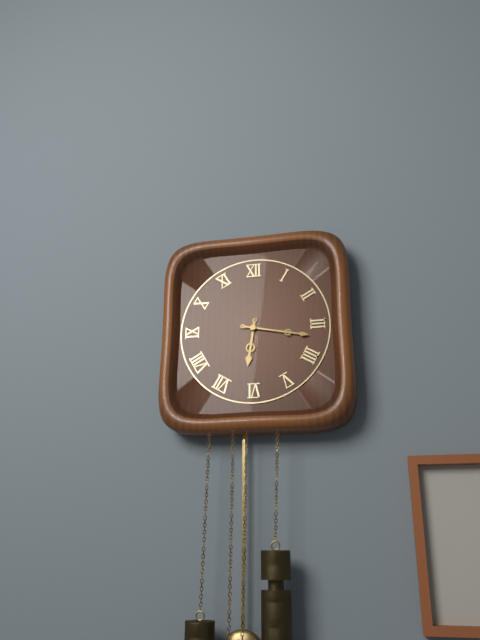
6:17
